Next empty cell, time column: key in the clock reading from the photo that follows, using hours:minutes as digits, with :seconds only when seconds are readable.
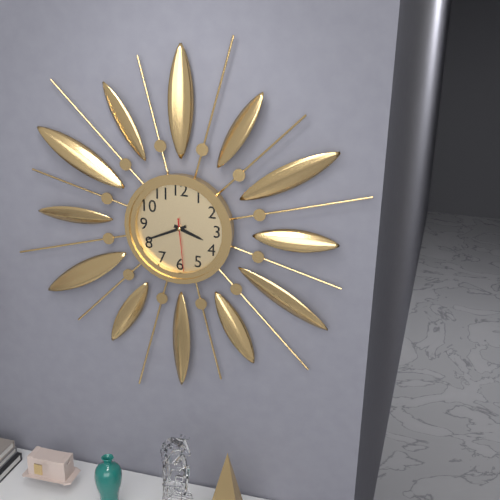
3:41:29
